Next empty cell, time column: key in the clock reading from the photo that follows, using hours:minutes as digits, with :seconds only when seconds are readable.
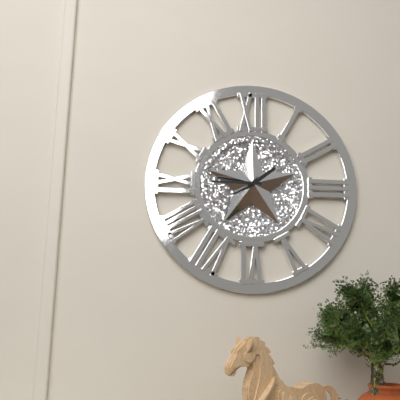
1:45
